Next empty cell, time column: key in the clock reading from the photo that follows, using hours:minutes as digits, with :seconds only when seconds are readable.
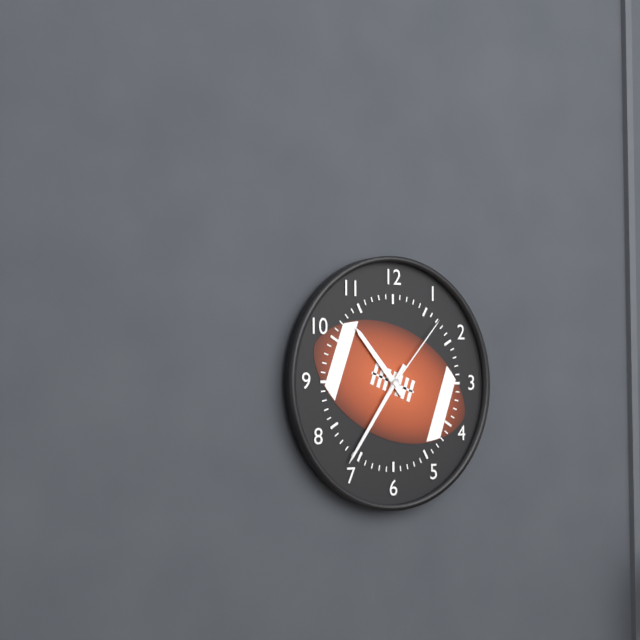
10:36:07
